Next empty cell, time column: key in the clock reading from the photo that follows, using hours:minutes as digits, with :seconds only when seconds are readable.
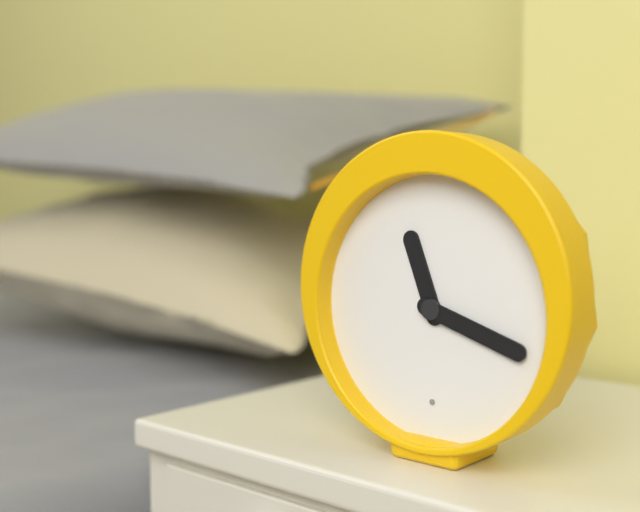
11:18
